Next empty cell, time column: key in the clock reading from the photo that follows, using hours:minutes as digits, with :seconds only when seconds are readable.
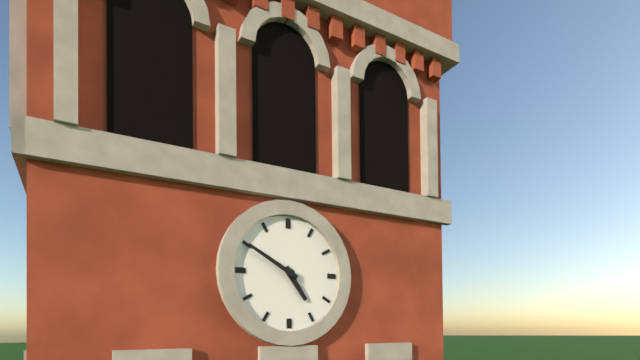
4:50
